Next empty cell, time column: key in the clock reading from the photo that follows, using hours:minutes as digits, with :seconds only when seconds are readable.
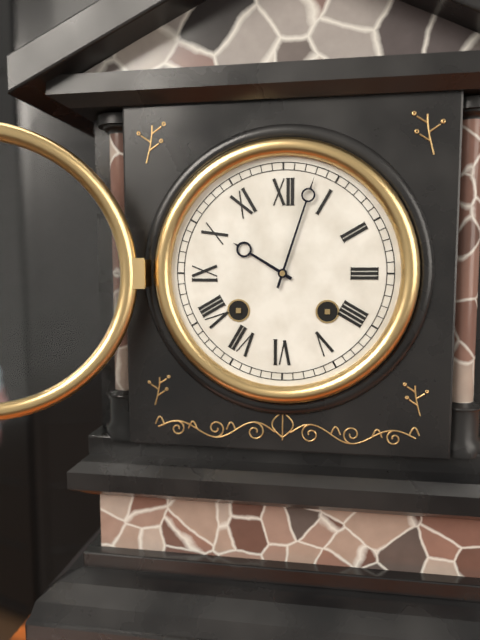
10:03
